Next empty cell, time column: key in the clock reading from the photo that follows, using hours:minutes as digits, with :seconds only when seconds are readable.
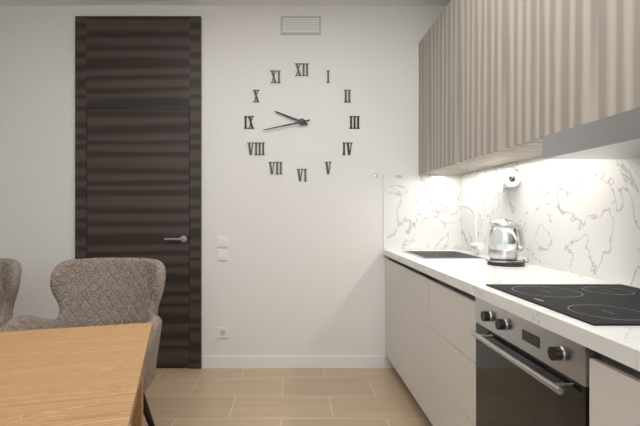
9:43
